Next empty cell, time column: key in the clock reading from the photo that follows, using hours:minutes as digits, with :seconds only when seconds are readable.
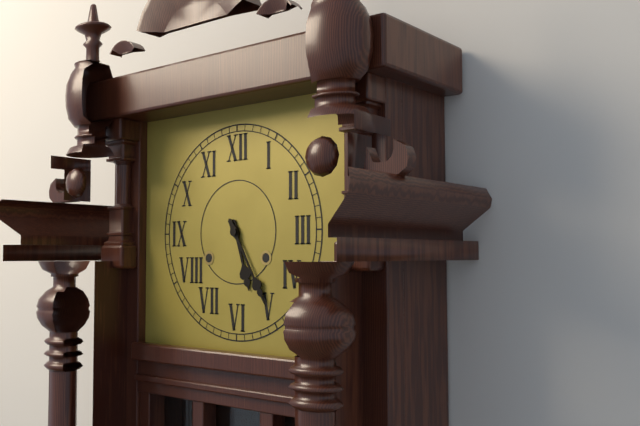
5:25
